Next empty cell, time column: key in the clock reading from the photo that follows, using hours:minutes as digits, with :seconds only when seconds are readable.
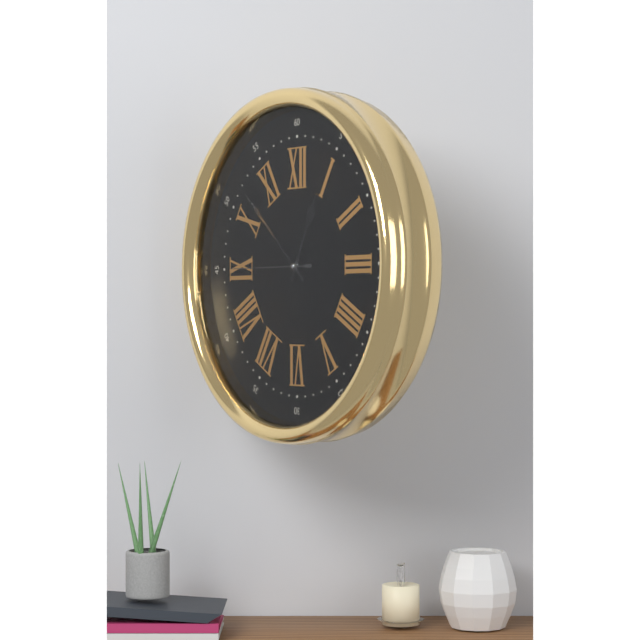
12:52:45
